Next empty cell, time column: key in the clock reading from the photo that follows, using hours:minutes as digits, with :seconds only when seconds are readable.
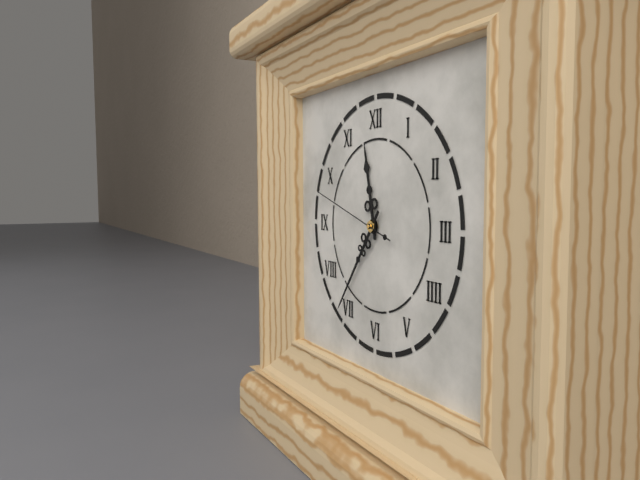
11:36:48
